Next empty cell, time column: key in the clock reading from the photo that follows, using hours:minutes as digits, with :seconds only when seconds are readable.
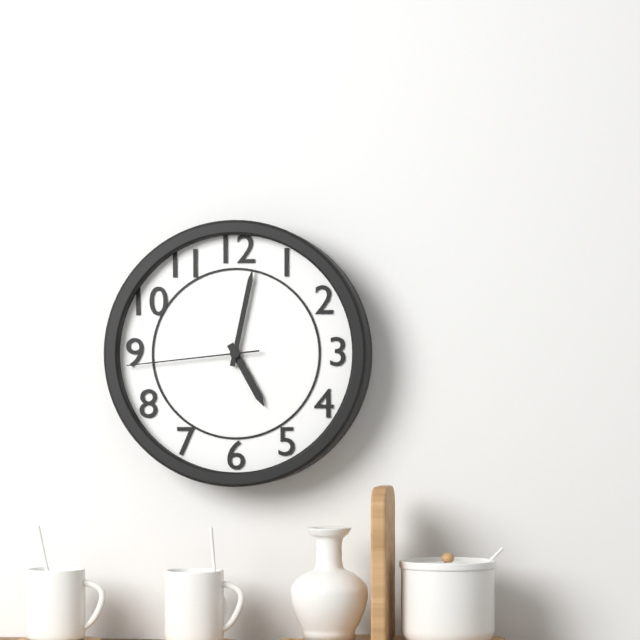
5:02:44
